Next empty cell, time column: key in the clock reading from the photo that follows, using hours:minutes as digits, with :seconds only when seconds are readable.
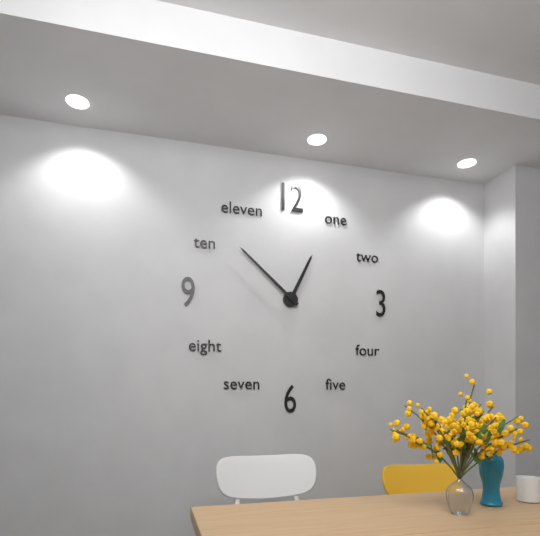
12:52
